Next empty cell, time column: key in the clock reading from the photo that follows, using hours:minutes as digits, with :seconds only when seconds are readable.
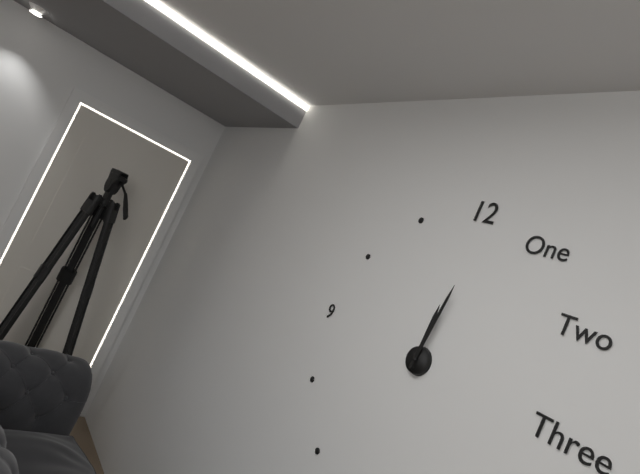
12:01
